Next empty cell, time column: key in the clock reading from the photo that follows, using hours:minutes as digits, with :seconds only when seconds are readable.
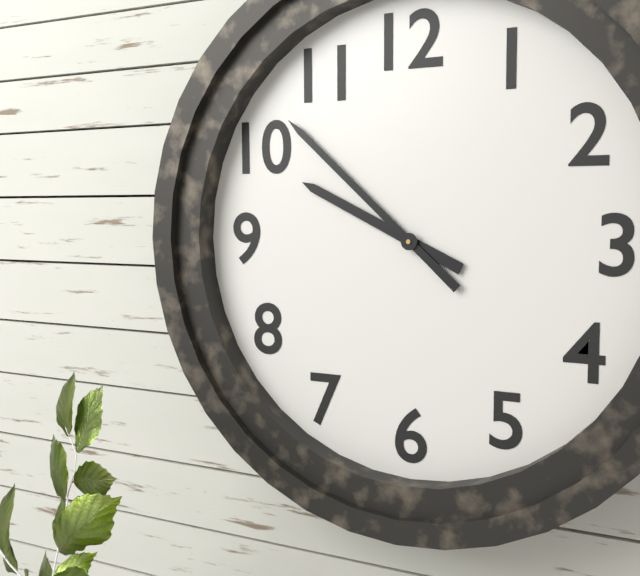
9:52
